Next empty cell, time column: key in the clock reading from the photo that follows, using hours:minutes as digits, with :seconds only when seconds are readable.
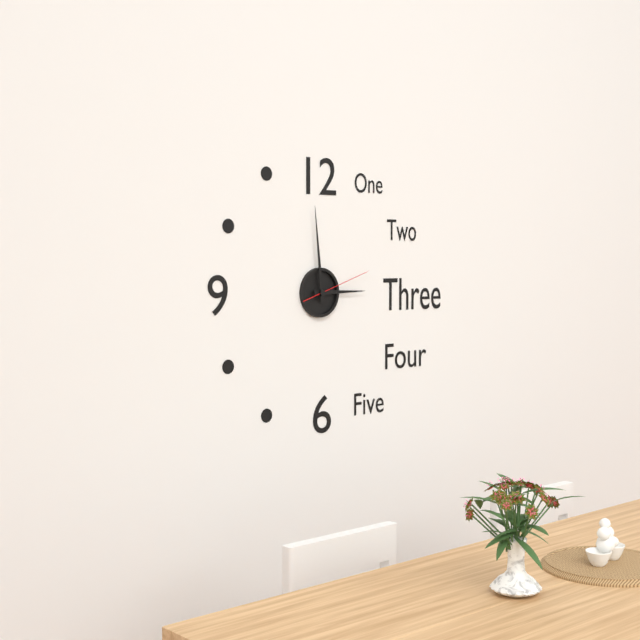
2:59:12
